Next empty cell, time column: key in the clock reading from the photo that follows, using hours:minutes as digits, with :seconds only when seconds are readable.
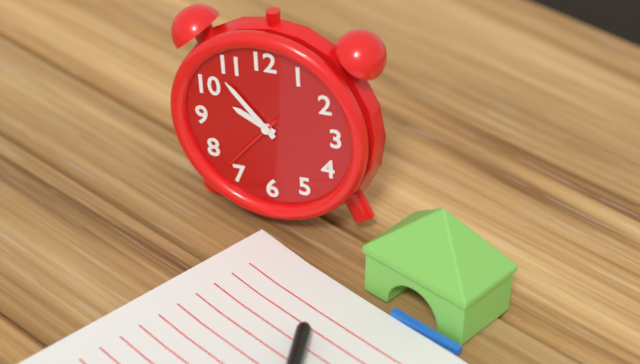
9:53:37
